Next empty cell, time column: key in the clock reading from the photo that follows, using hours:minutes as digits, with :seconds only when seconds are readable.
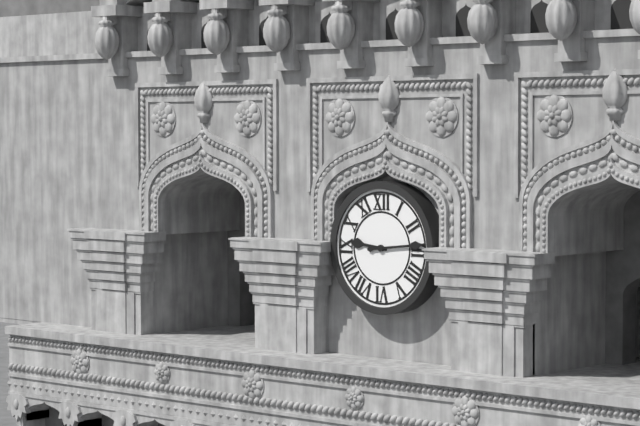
9:14
